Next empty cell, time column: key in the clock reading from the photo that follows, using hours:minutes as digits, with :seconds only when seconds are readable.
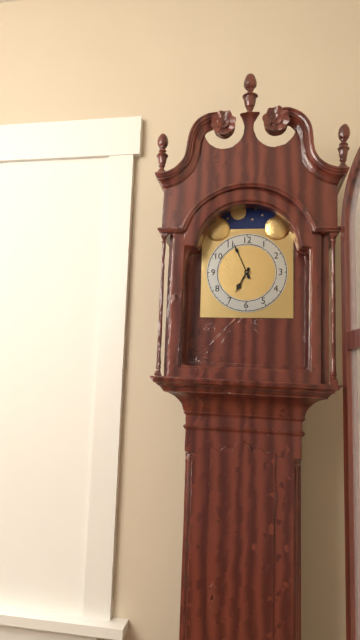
6:56
